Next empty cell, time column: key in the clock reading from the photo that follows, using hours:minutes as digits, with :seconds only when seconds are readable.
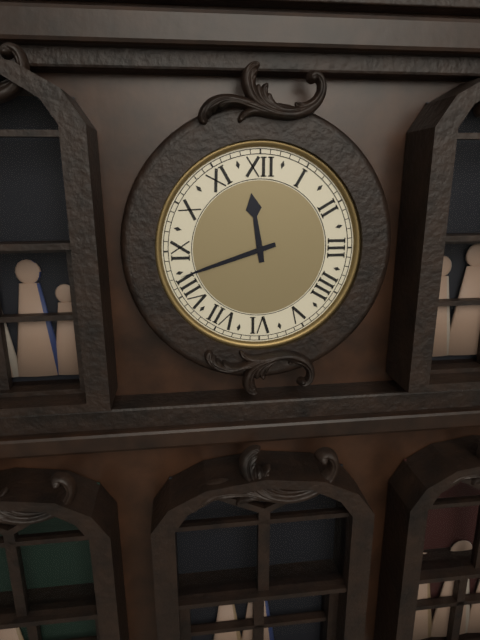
11:42
